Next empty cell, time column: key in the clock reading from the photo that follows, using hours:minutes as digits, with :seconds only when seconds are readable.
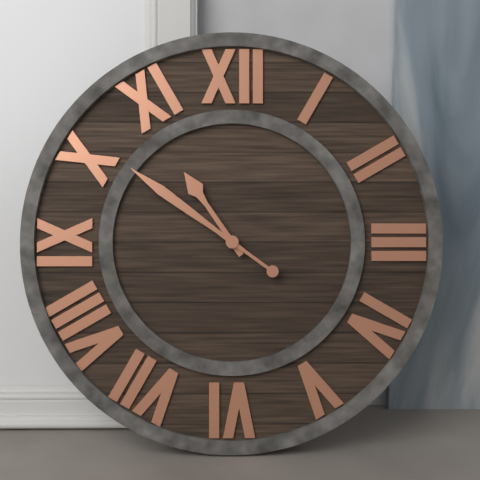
10:51
